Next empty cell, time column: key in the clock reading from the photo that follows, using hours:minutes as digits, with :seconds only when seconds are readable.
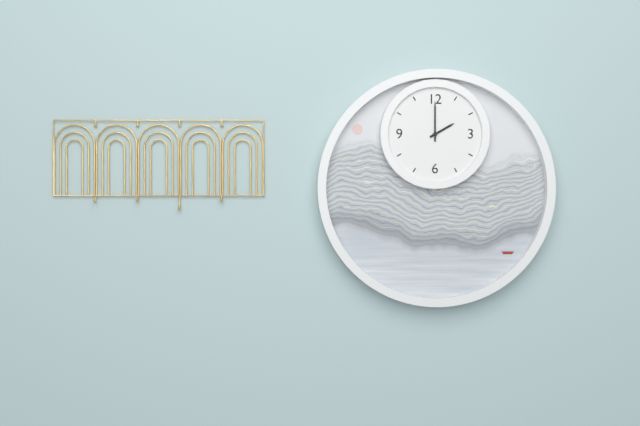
2:00
